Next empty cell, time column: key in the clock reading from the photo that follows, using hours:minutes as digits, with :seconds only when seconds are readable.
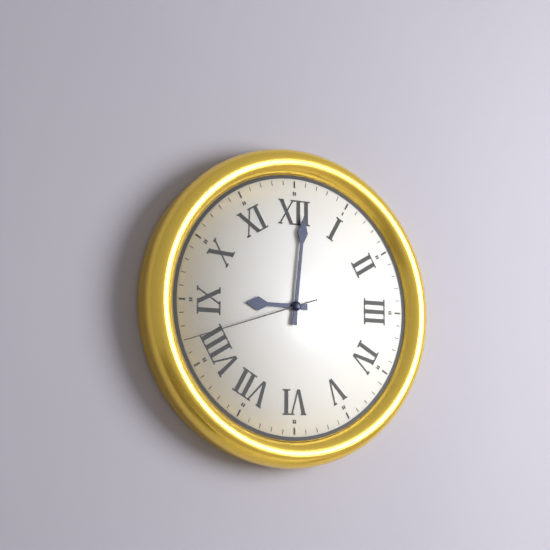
9:01:42
